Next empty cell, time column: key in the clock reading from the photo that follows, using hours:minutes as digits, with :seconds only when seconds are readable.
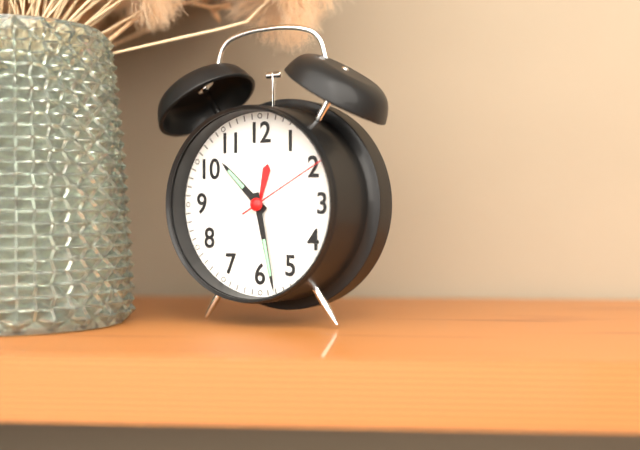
10:28:10
